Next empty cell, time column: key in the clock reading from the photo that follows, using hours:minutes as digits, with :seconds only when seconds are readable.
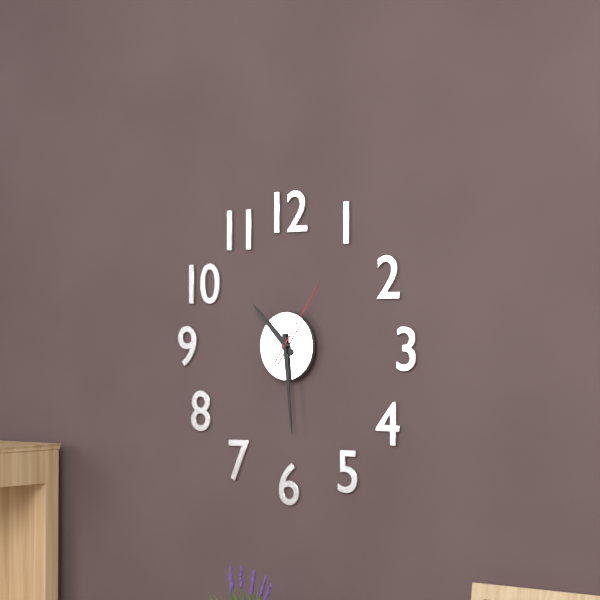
10:29:06
